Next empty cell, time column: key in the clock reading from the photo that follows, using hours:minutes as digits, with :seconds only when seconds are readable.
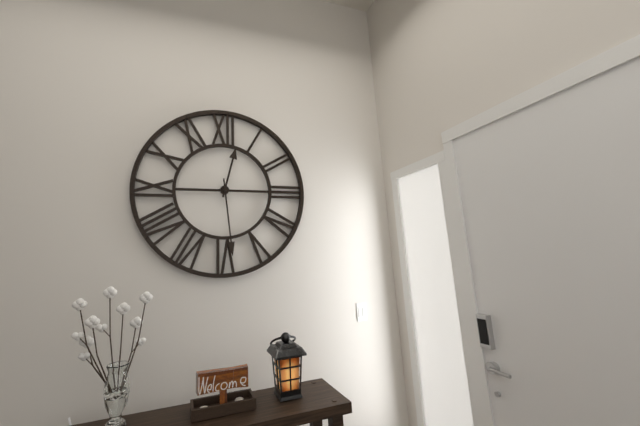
12:29
